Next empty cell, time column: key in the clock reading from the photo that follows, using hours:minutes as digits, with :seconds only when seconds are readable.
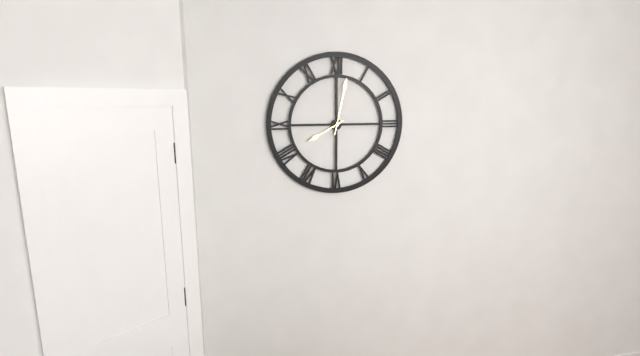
8:02
